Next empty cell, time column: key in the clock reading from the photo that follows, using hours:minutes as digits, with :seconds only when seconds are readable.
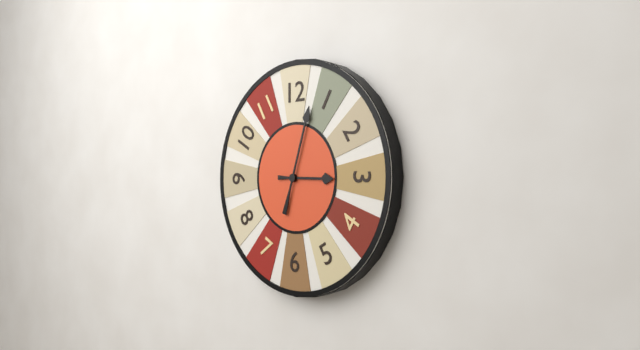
3:03
